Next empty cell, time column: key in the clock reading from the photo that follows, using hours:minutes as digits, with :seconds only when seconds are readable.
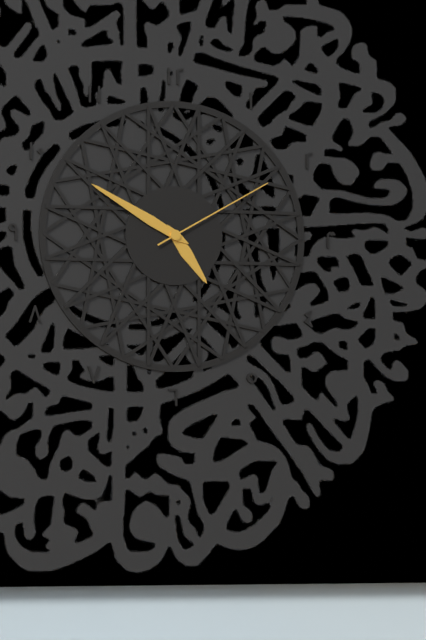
4:50:10
